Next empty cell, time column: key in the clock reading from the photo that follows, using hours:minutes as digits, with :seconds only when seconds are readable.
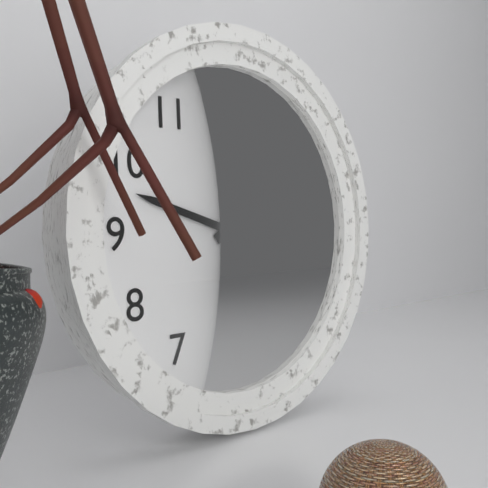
1:48:31
